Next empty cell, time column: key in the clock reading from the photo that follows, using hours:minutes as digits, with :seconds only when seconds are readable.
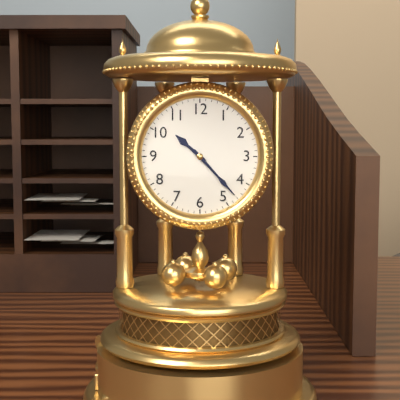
10:23
